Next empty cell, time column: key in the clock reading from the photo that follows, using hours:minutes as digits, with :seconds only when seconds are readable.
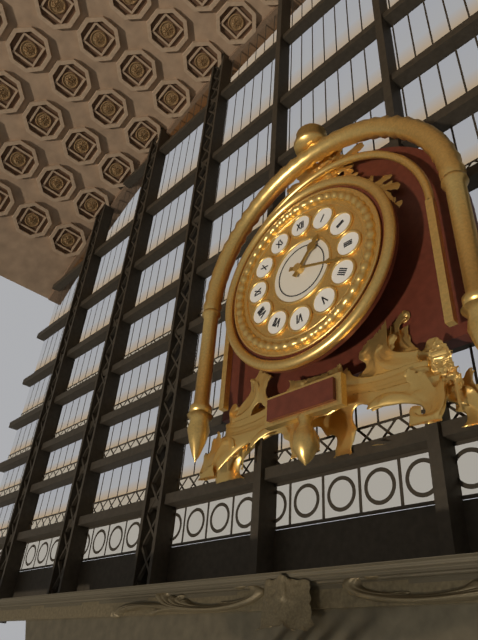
1:18
